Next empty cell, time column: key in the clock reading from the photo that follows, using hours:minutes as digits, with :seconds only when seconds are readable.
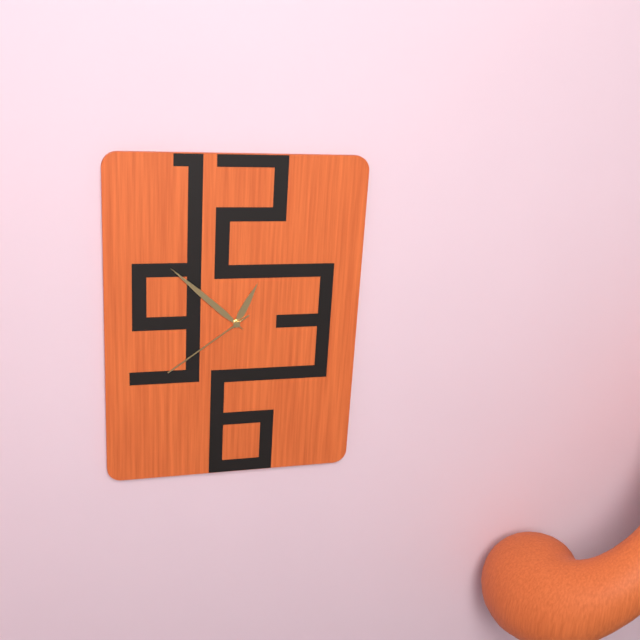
12:52:39
